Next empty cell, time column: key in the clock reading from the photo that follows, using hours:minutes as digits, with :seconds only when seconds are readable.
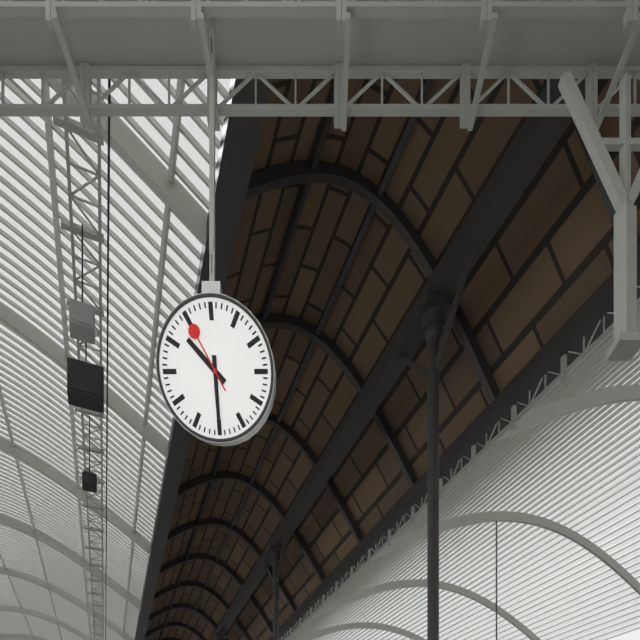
10:30:55
